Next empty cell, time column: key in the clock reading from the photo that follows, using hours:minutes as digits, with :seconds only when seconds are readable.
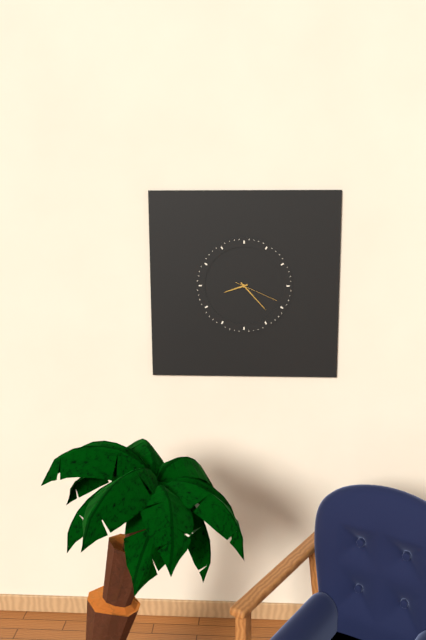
8:23
